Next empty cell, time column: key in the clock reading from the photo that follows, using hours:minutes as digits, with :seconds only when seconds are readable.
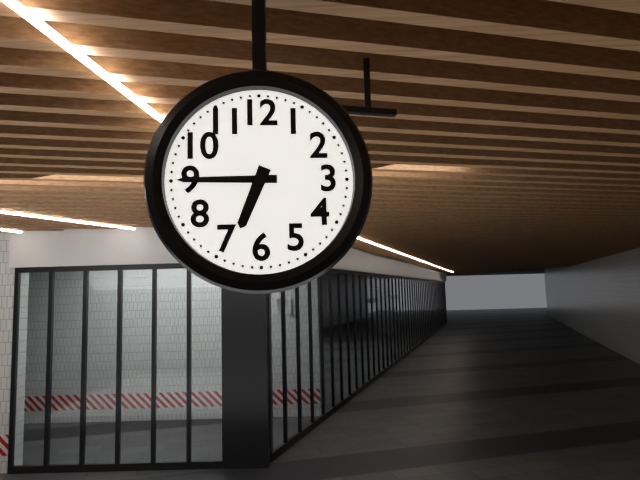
6:45
